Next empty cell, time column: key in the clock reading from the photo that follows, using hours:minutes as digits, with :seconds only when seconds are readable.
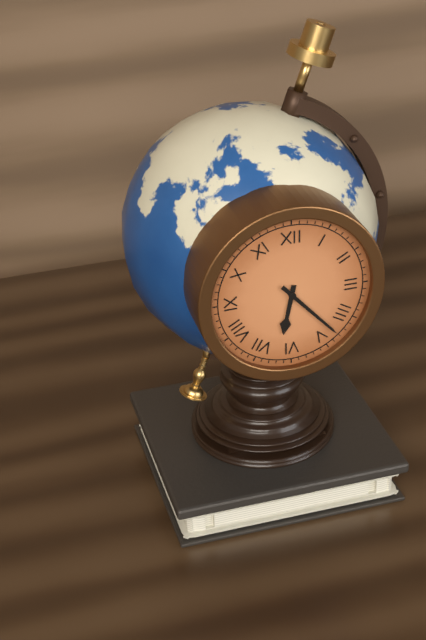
6:23
